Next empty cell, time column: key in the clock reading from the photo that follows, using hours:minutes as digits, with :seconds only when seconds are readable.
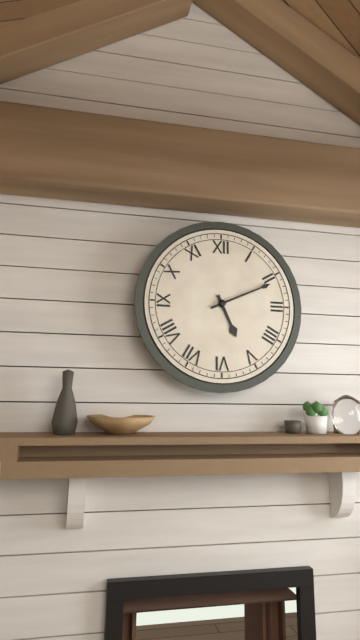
5:11
